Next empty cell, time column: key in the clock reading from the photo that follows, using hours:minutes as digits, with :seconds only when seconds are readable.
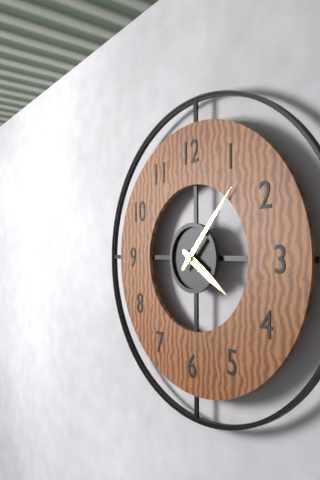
4:07
